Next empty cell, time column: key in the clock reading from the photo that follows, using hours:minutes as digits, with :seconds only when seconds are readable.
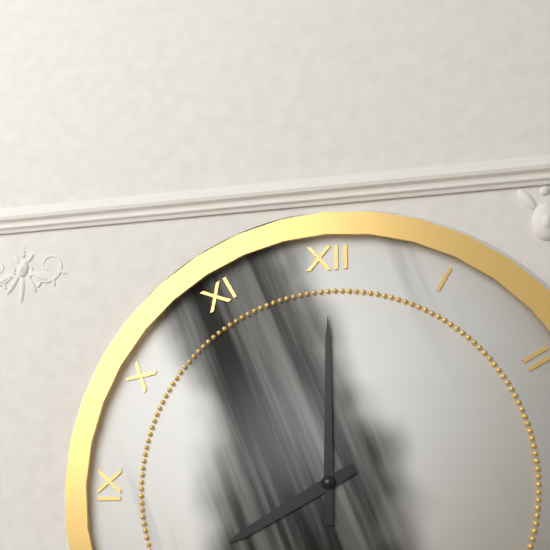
8:00
